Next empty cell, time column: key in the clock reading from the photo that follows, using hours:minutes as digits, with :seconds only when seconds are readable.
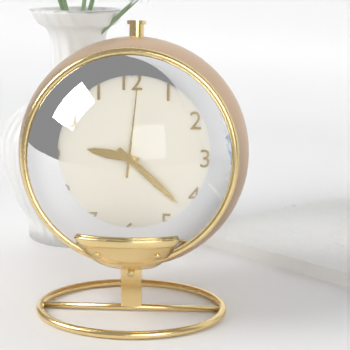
9:22:01
